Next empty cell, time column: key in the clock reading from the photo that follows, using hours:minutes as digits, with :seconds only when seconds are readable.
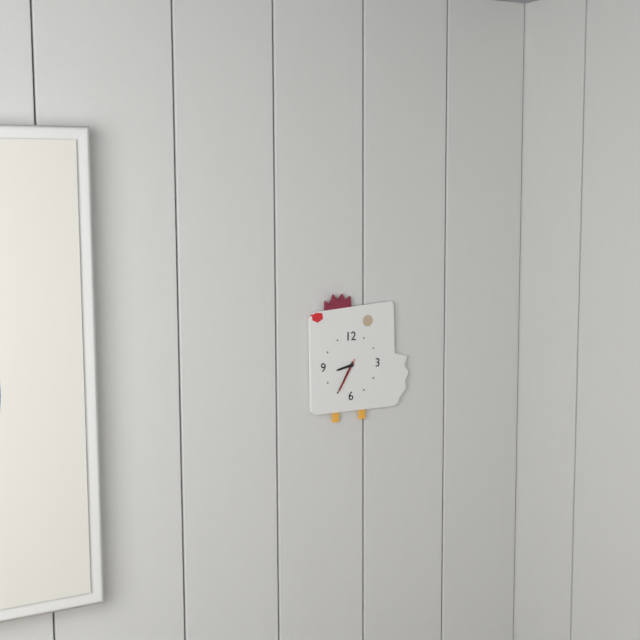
8:35
